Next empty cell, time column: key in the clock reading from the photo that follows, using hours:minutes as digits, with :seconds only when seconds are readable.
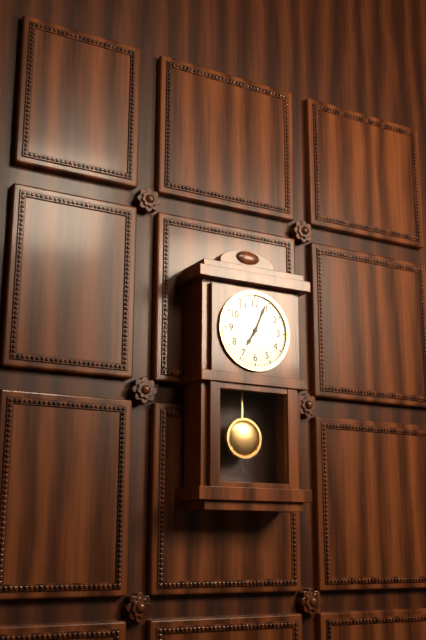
7:04
